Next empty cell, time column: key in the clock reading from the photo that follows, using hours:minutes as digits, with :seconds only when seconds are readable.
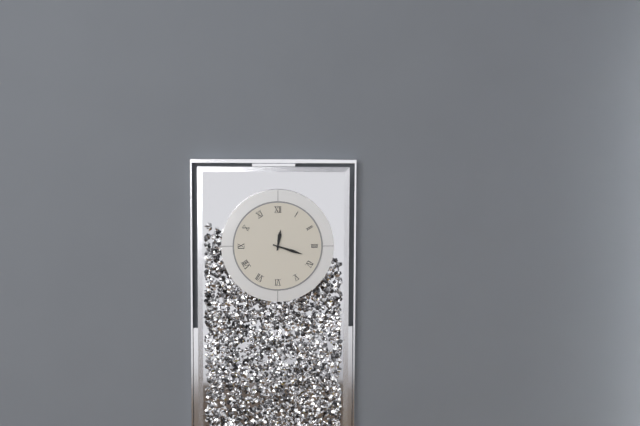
12:18
